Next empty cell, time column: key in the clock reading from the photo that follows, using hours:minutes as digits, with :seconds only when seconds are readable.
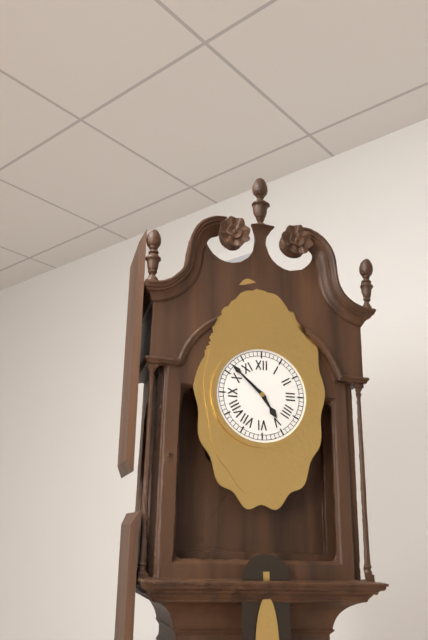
4:52
